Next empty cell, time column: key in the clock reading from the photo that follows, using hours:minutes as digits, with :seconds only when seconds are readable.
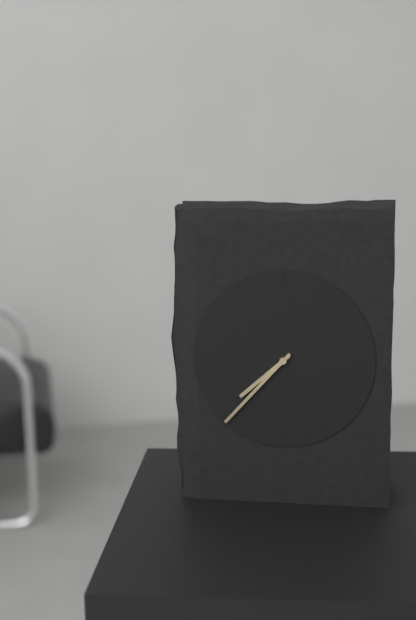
7:37
